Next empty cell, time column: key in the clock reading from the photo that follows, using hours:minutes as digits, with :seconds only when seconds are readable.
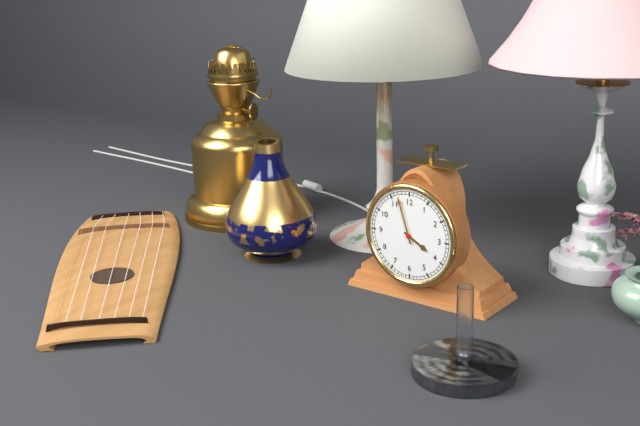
3:57
